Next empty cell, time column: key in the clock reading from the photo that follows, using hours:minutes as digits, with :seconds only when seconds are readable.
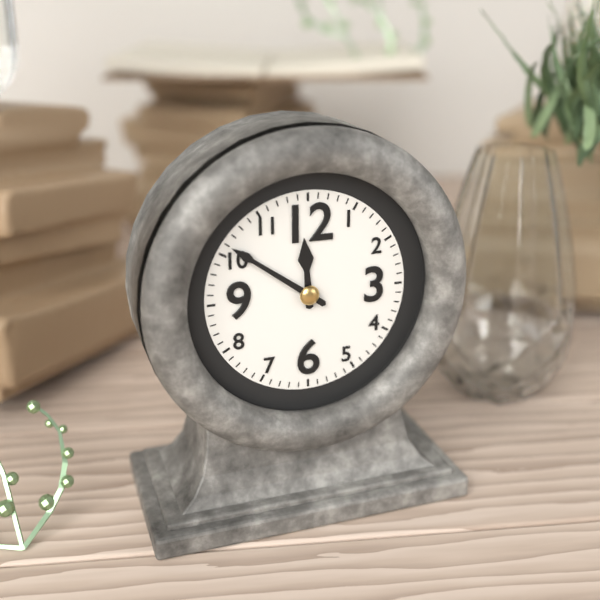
11:51
